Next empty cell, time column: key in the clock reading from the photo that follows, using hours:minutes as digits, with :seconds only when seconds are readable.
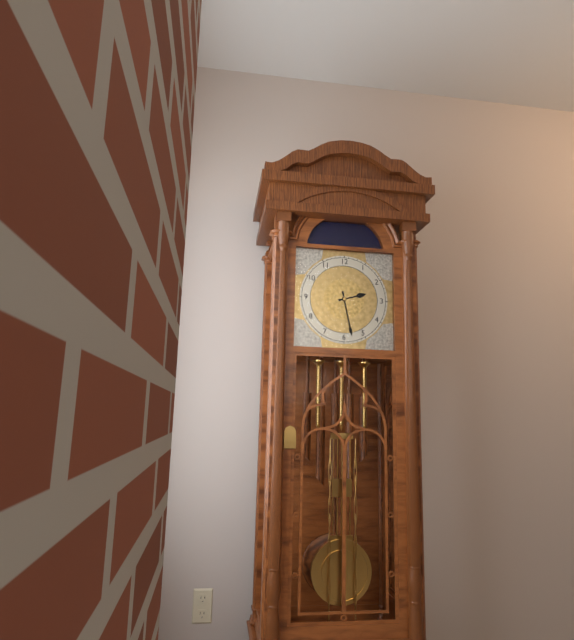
2:28
